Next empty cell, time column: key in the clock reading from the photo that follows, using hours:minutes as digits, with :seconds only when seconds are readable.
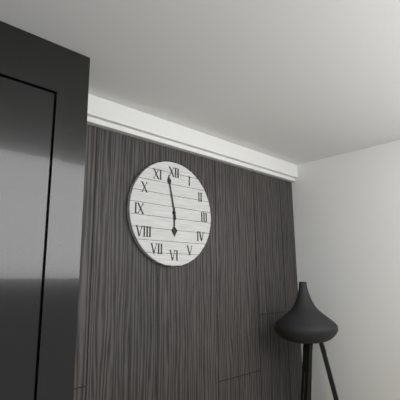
5:58
